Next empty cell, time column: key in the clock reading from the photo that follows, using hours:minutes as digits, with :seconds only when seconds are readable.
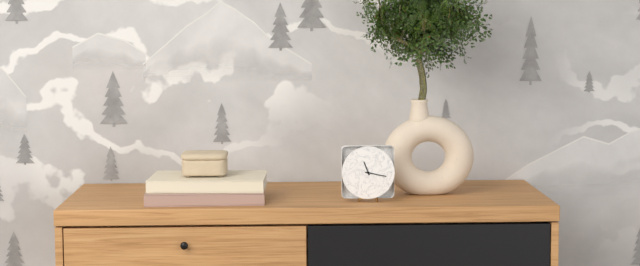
11:17
